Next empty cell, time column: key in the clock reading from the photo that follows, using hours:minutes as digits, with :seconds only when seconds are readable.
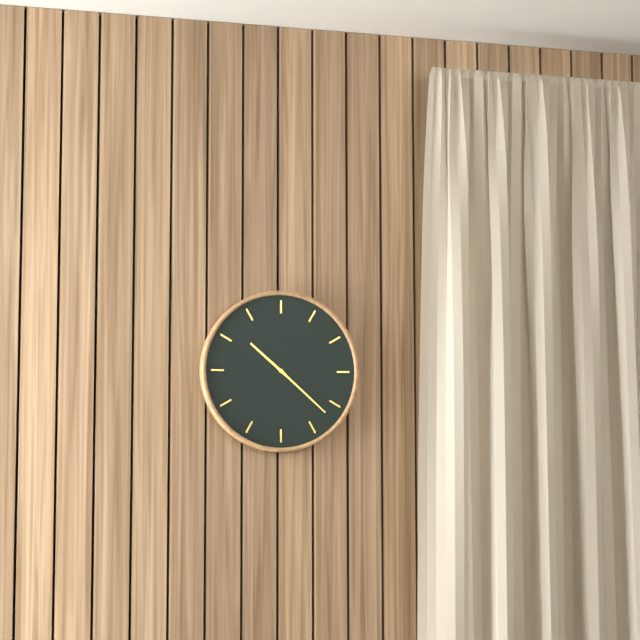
10:22
